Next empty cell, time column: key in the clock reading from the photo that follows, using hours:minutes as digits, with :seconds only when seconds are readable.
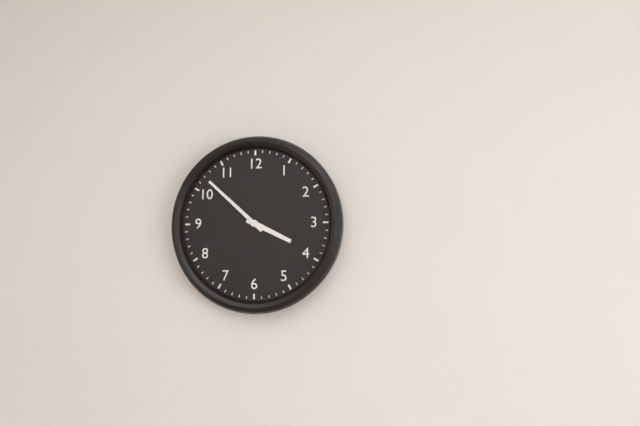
3:52
